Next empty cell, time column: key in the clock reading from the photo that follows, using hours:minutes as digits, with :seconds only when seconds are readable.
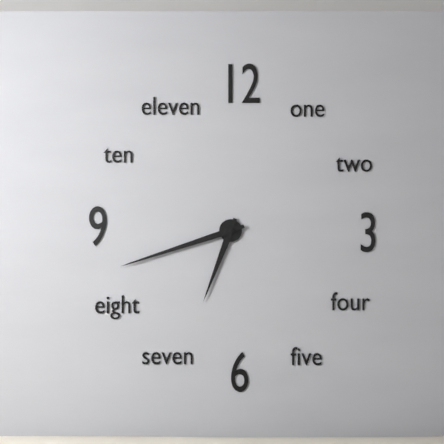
6:42
